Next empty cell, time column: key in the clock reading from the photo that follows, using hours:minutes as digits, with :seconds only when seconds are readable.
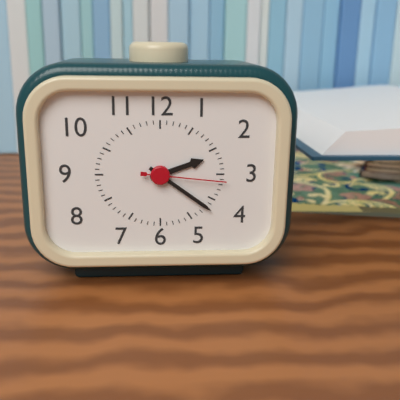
2:21:16
